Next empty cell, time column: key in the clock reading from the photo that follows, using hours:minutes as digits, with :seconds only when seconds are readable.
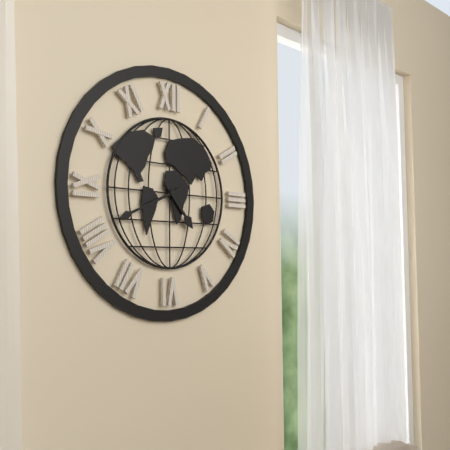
4:41
